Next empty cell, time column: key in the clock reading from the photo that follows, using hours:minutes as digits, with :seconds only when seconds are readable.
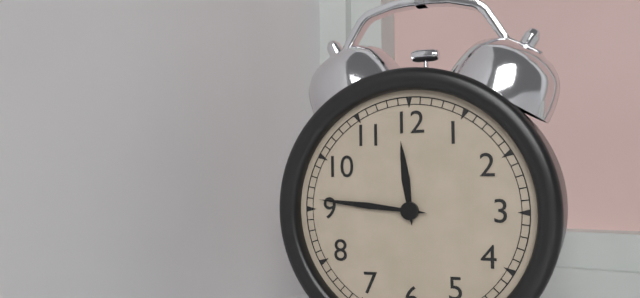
11:46
